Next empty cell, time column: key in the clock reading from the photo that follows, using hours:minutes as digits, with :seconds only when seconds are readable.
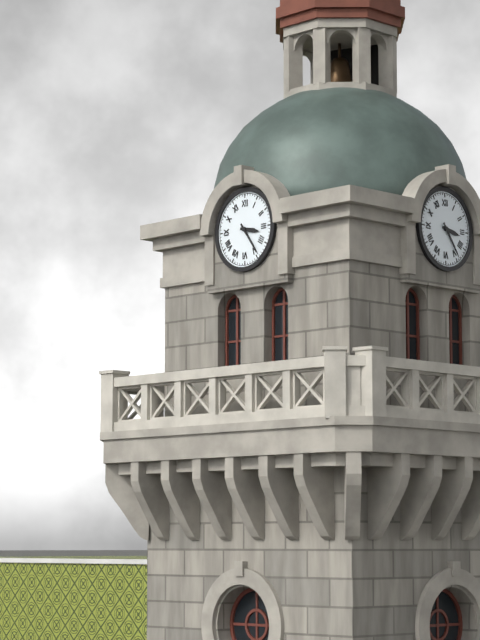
3:24
